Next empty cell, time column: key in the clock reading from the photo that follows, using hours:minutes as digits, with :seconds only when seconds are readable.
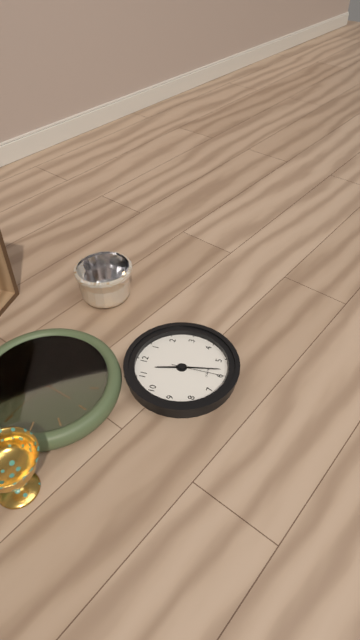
11:28:30
